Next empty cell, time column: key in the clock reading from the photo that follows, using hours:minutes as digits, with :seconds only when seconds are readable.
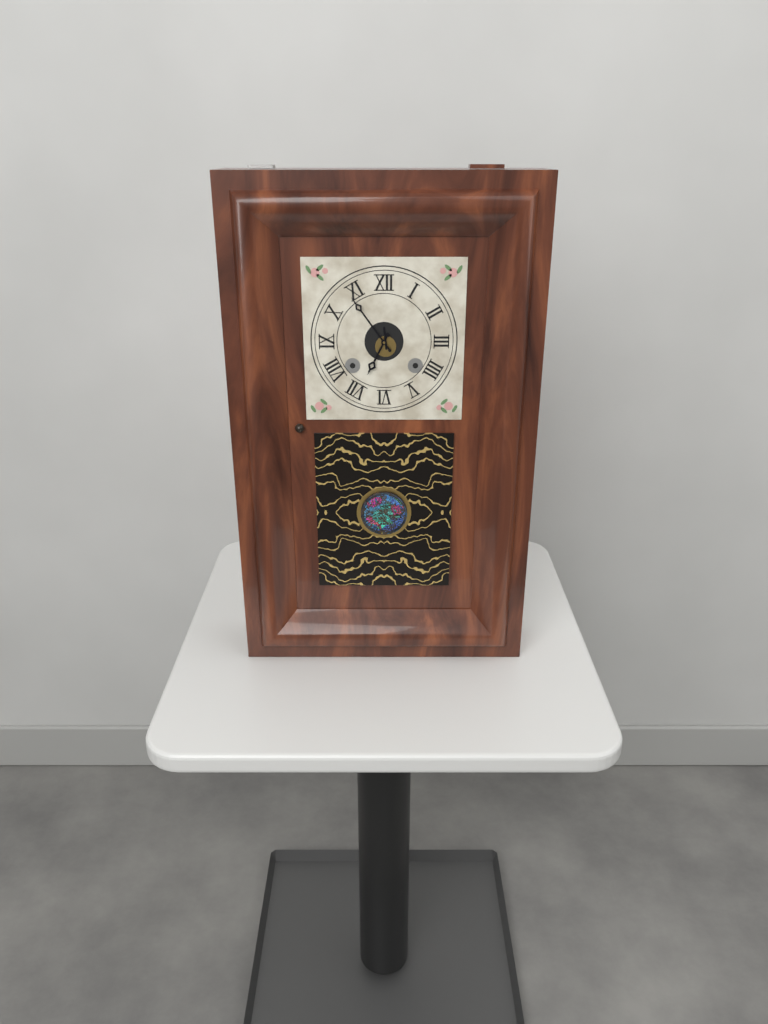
6:54
